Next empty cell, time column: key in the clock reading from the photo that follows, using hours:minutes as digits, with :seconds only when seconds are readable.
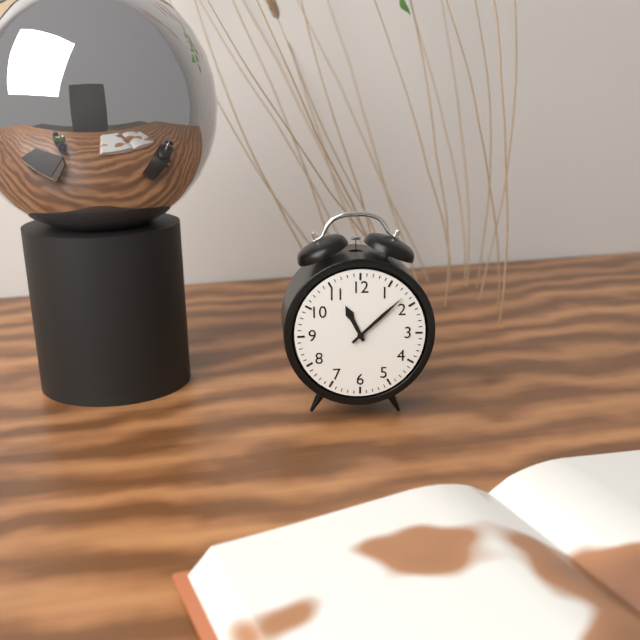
11:08
